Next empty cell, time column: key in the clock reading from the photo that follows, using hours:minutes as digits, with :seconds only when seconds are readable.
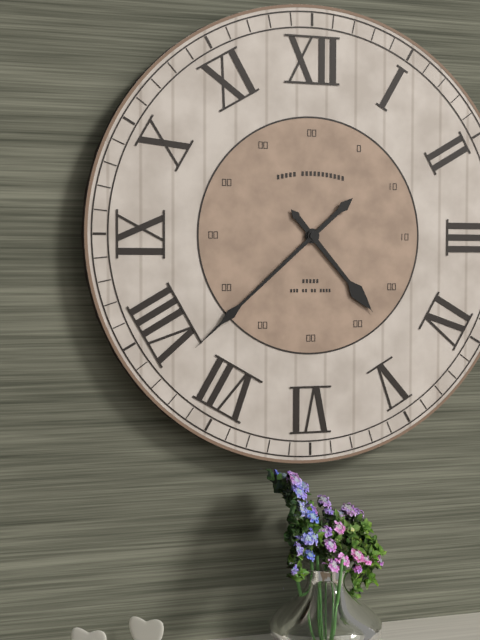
4:38
